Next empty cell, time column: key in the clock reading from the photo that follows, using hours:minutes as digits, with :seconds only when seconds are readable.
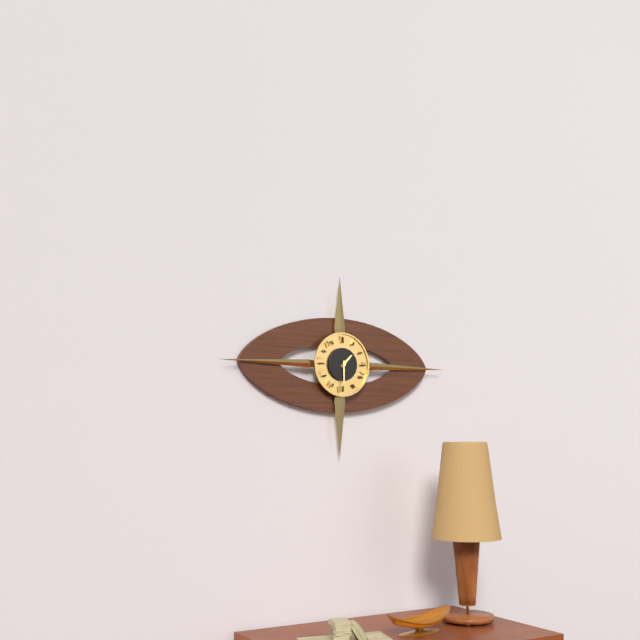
1:30
